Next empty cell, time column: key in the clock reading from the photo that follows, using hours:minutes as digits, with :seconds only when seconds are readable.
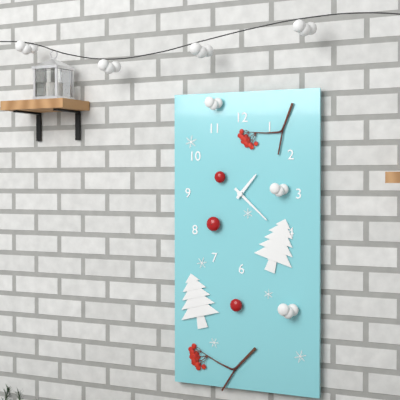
1:22
